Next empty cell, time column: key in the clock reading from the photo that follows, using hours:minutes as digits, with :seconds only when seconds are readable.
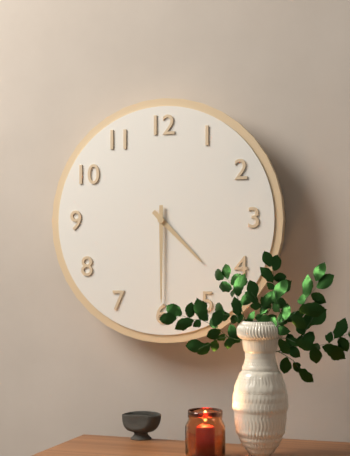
4:30
